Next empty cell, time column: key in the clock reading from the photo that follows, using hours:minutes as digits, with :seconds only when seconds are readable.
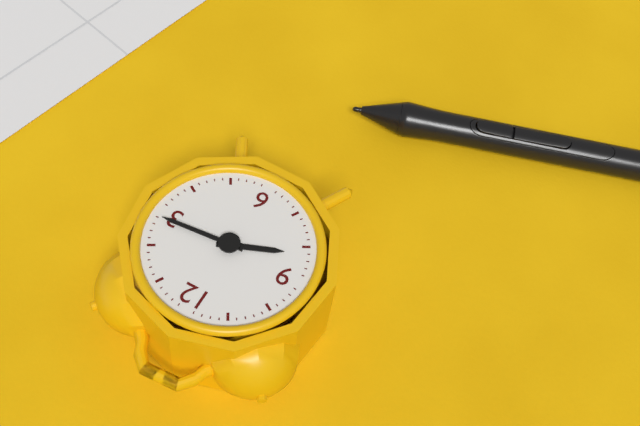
8:14
